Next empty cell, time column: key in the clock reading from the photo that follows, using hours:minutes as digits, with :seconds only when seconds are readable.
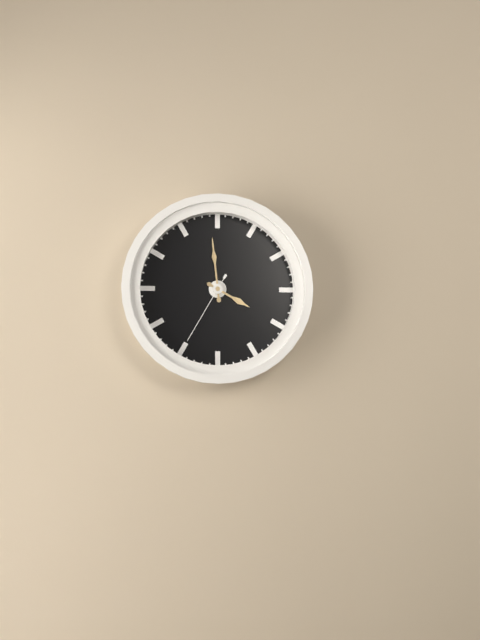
3:59:35
